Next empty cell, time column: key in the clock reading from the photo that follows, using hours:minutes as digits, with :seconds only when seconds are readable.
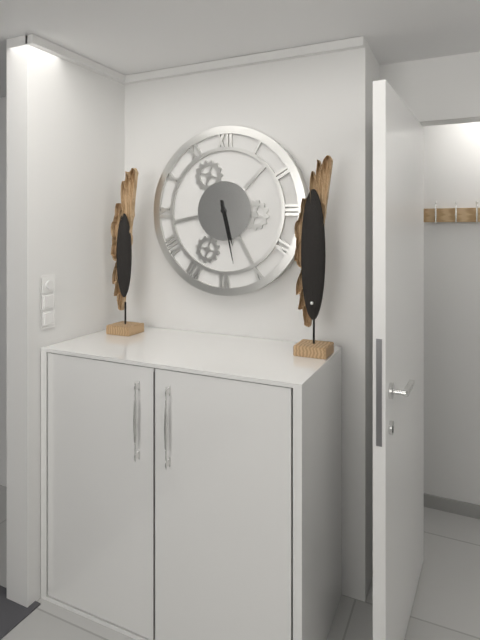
5:28
